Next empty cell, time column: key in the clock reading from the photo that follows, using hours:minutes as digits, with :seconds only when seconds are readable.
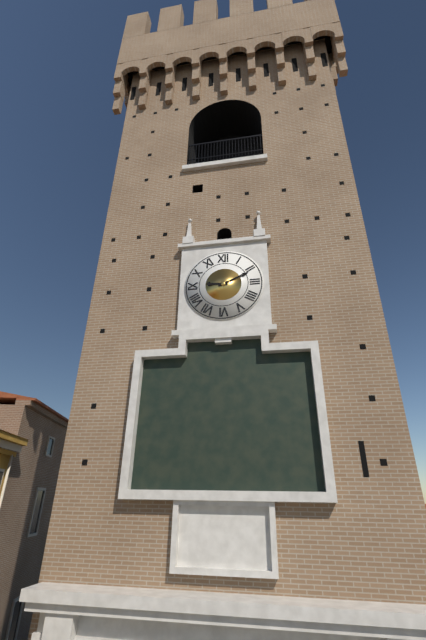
9:11
